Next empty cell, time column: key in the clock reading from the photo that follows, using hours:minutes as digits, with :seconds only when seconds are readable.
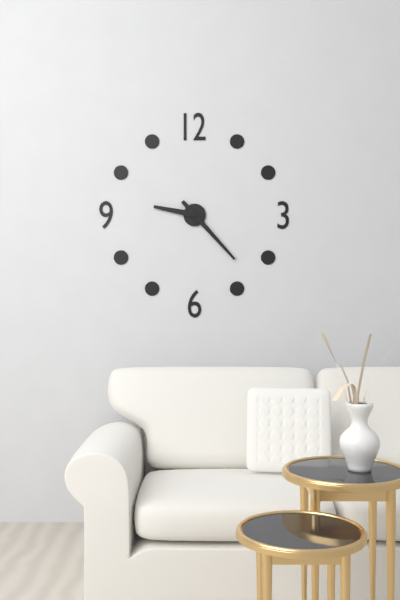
9:23
